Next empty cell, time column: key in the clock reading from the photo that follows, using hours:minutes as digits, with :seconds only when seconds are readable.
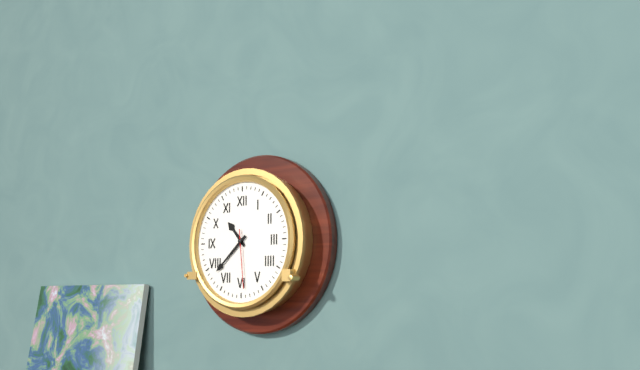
10:38:29
